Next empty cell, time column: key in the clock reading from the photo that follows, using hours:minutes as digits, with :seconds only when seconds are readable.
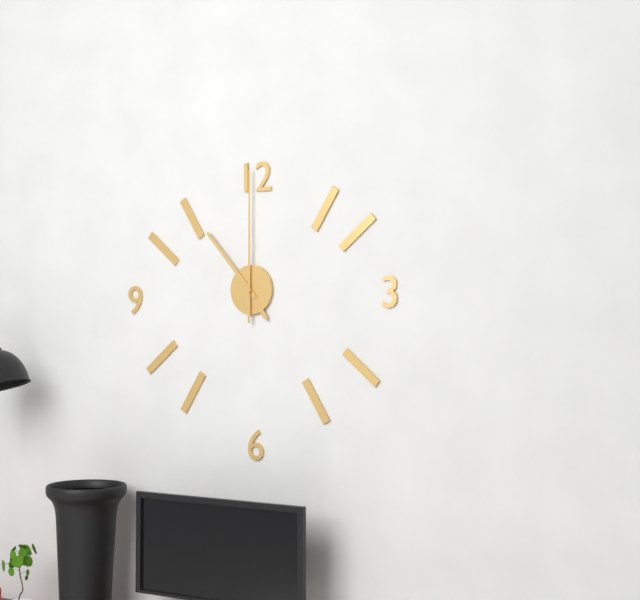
4:53:00
